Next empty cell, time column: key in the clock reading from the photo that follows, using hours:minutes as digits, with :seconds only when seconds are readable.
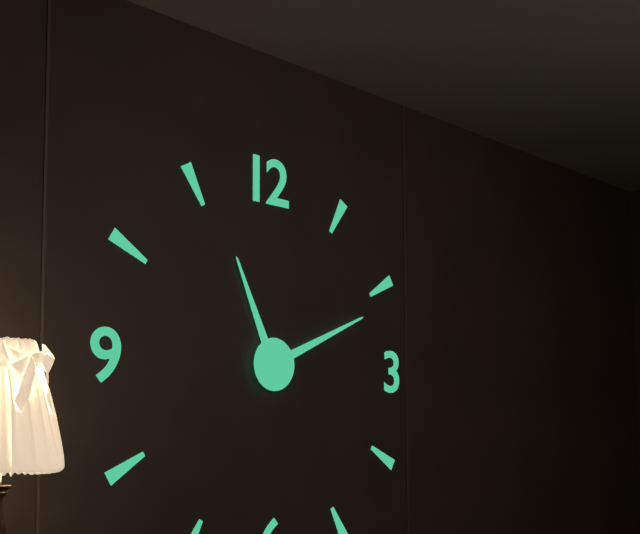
11:11
